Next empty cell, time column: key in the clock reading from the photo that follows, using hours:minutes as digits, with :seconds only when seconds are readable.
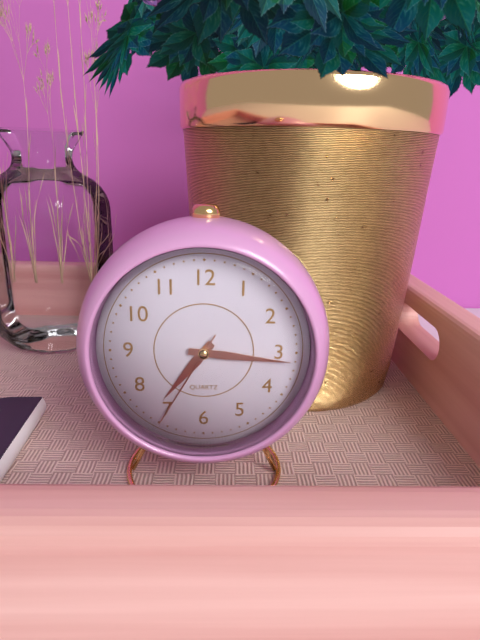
7:16:35
